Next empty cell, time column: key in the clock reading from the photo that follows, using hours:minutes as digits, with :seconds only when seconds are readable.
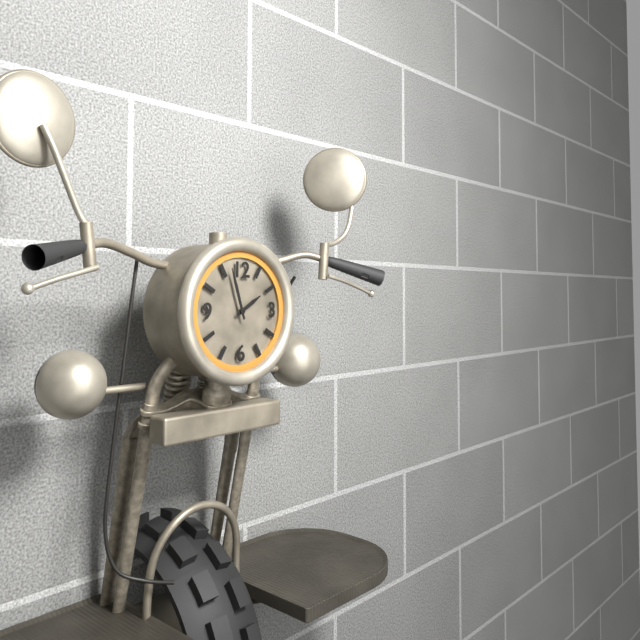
1:57
